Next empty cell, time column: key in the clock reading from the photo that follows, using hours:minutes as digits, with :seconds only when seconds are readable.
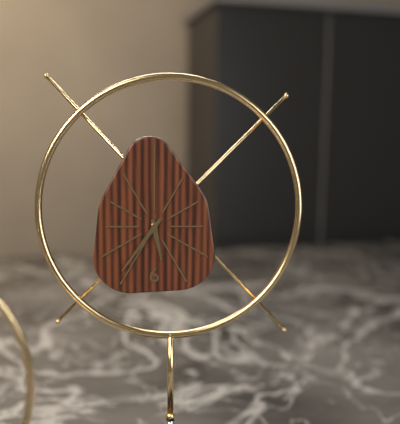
5:36
